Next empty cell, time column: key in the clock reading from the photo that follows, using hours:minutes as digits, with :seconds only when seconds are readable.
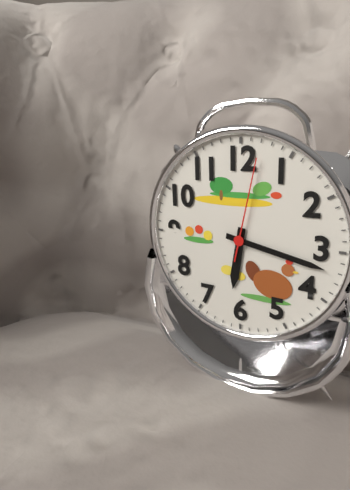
6:17:02
